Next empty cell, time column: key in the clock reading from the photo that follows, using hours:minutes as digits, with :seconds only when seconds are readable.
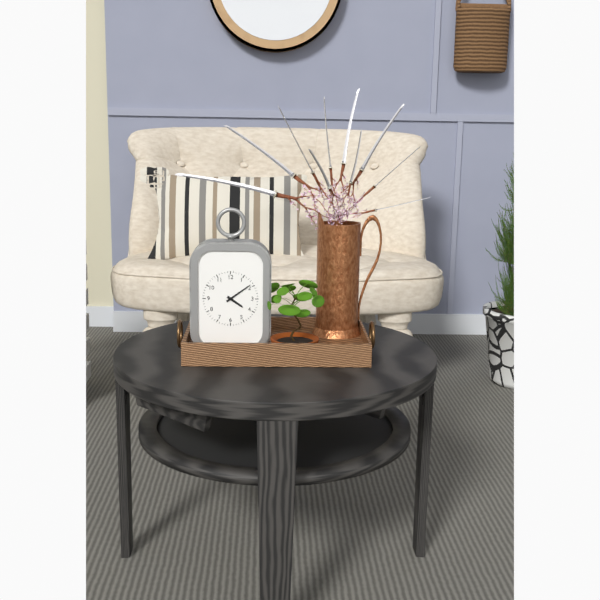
4:09
